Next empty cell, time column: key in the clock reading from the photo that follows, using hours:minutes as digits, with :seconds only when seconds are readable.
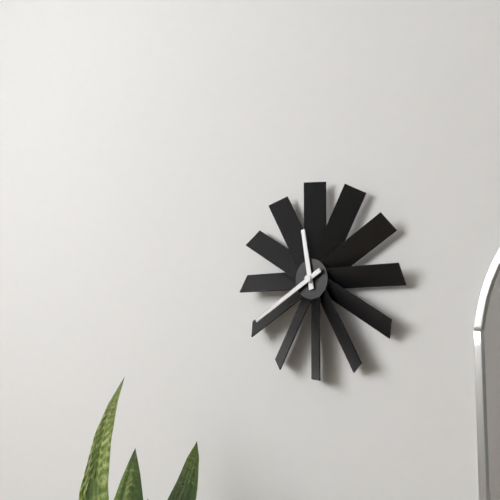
11:40
